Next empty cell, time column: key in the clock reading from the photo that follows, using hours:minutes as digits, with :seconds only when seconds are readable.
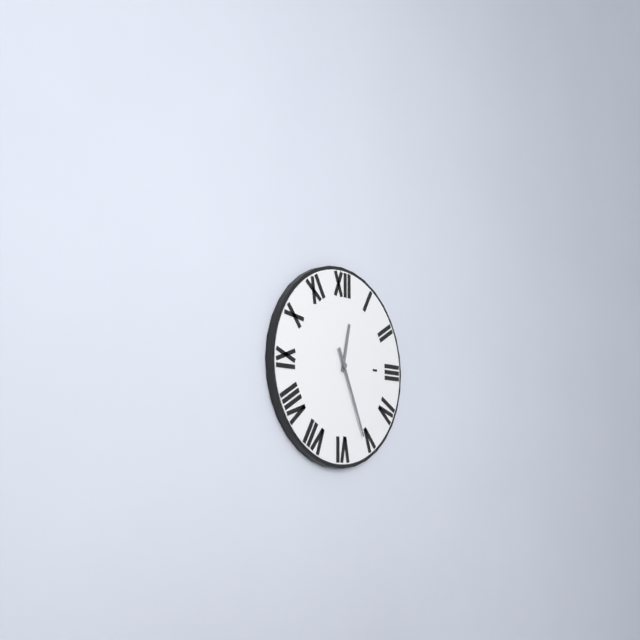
12:26
